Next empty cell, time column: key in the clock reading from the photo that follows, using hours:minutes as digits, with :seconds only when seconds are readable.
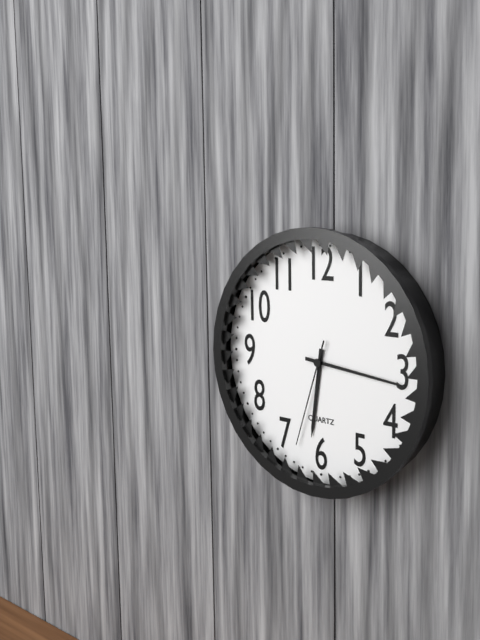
6:16:33
